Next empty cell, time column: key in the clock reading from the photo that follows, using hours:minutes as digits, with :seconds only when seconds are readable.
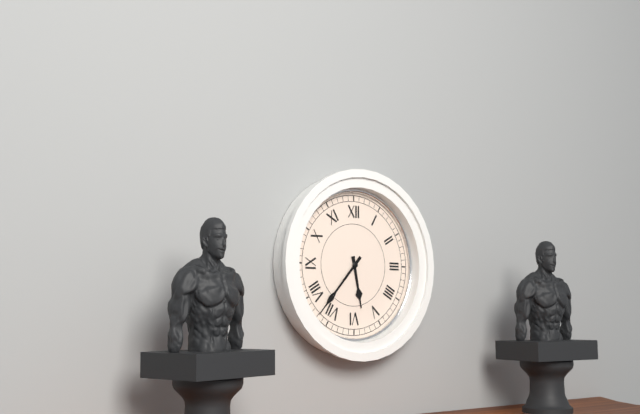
5:37
